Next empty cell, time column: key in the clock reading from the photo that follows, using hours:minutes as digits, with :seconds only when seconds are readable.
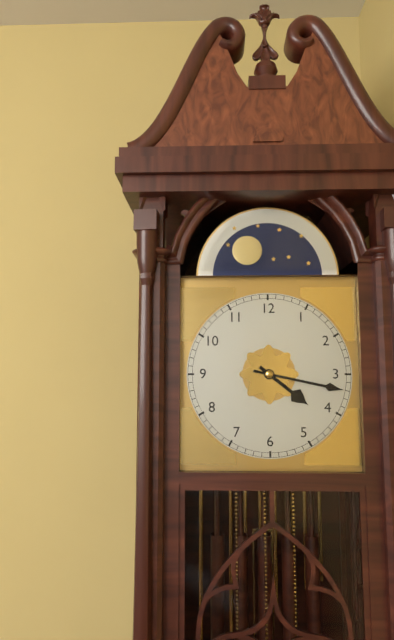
4:17
